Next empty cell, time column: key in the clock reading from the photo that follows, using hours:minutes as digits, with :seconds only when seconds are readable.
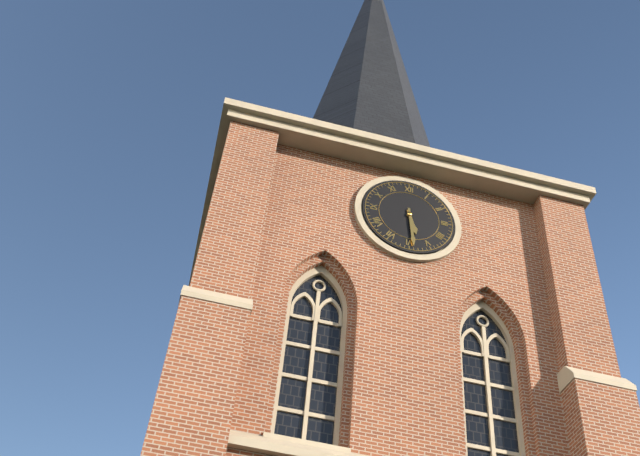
5:29
